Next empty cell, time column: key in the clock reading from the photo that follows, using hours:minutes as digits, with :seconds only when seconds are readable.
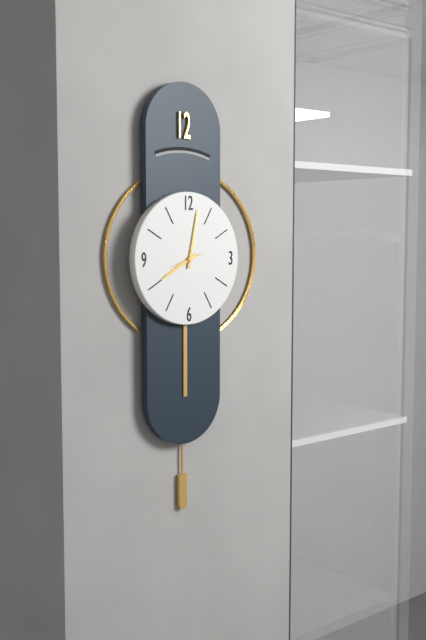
8:02
